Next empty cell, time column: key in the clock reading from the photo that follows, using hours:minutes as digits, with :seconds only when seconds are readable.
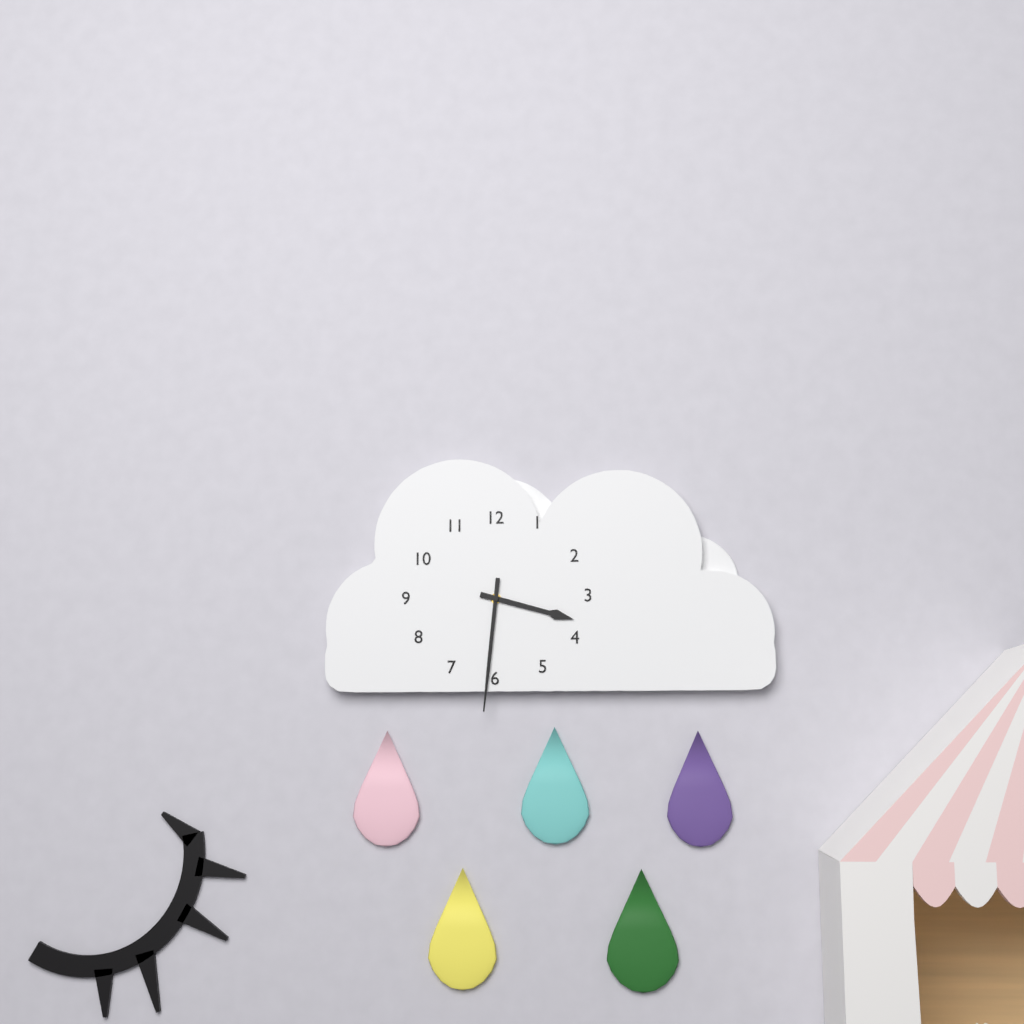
3:31
